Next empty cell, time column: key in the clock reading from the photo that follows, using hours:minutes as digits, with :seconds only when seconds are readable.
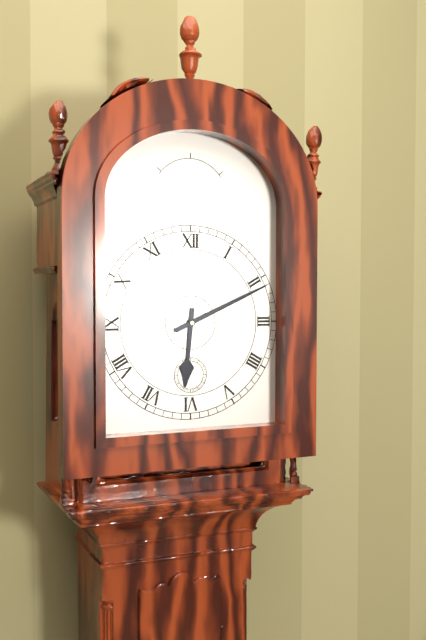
6:11
